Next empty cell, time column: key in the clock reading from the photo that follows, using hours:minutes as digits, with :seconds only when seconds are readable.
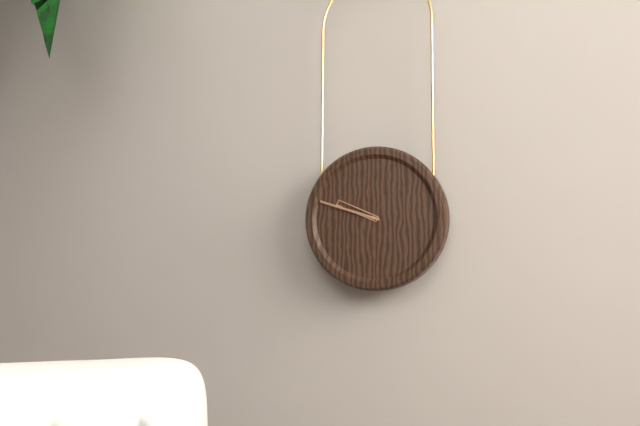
9:48
